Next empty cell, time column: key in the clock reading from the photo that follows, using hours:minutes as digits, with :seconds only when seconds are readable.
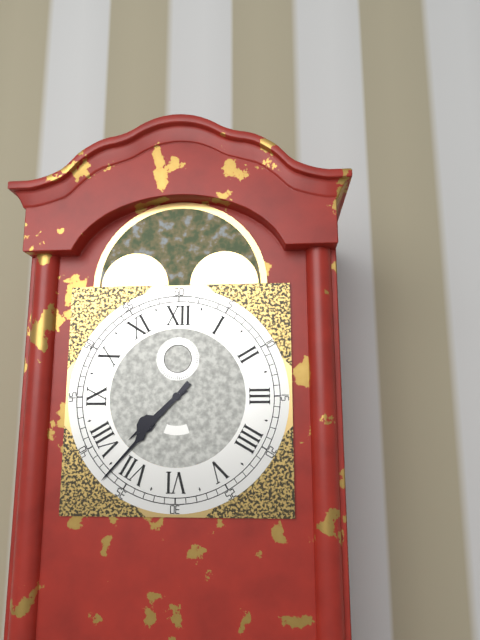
7:37
